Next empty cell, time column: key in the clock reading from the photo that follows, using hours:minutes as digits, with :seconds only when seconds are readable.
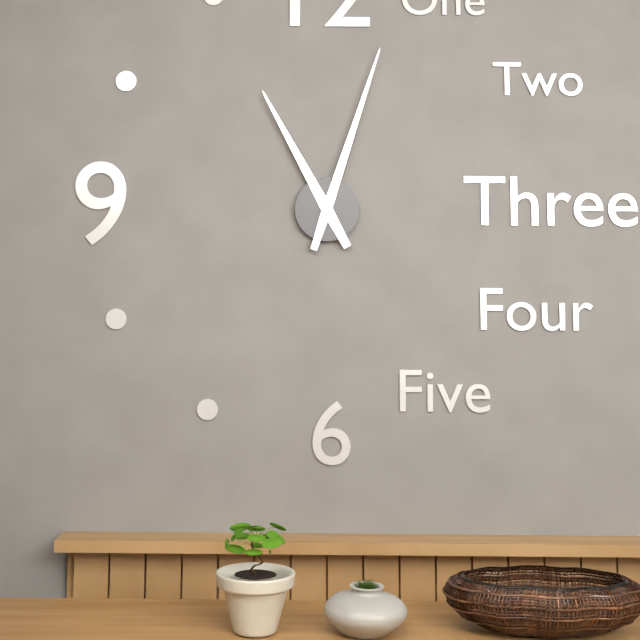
11:03
